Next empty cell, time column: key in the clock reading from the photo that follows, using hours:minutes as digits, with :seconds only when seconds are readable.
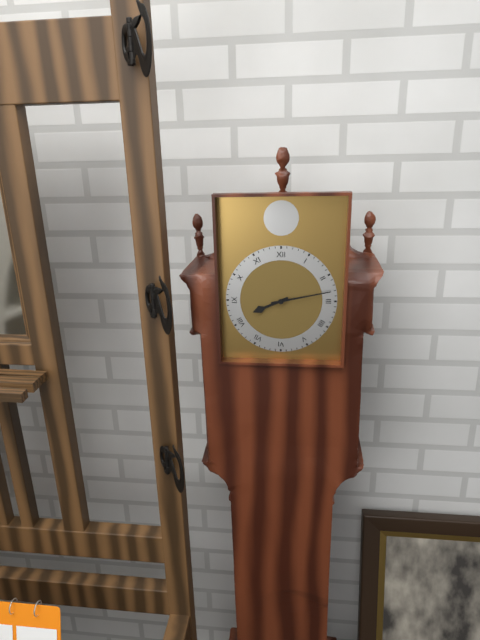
8:13
